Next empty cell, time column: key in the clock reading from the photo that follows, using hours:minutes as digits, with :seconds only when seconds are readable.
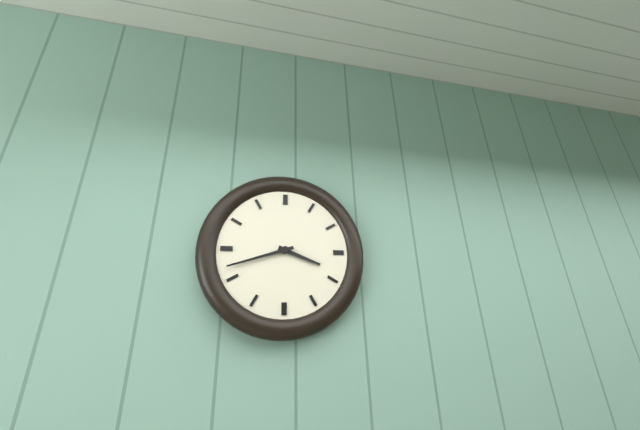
3:42
